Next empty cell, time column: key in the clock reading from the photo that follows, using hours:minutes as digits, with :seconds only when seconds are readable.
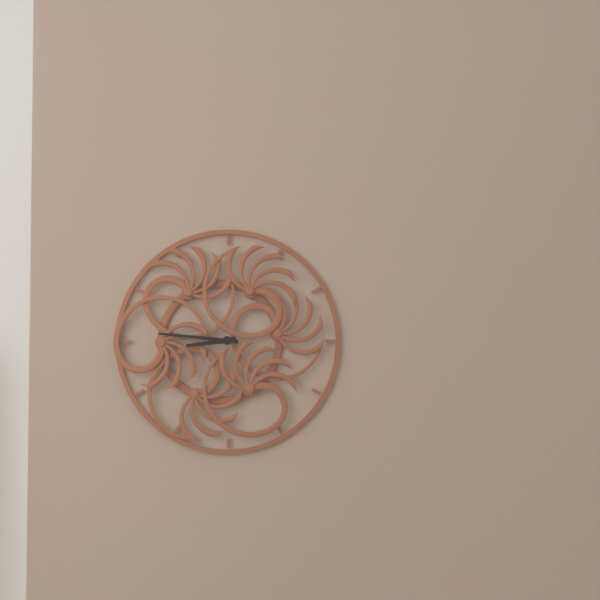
8:46
